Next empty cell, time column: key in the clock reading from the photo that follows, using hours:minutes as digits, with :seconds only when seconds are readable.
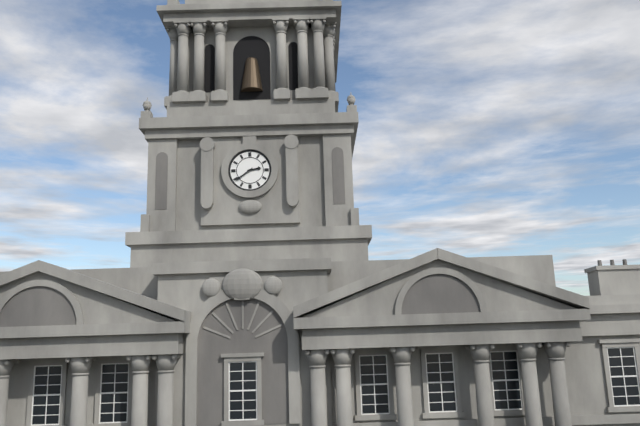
2:39
